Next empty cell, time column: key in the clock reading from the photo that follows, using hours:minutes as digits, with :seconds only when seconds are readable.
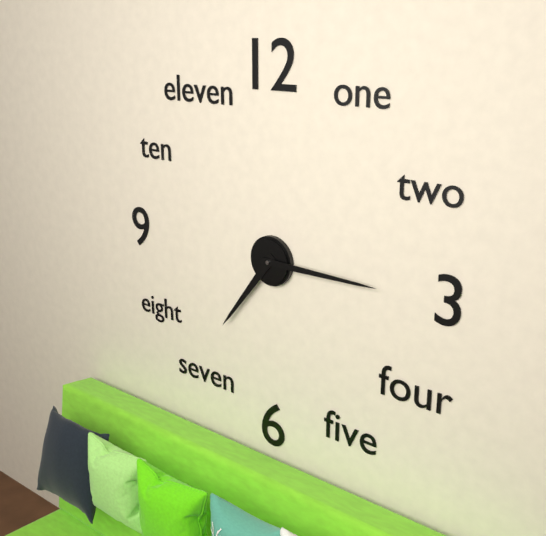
7:15
